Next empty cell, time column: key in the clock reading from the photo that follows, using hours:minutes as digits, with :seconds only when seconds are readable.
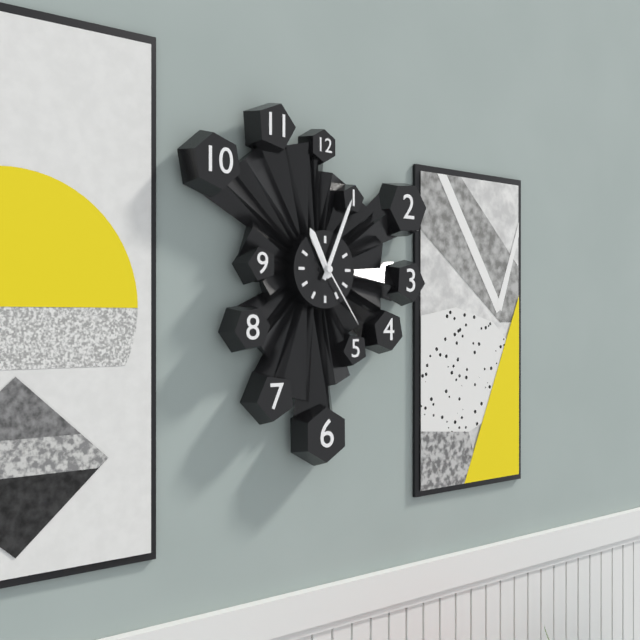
11:04:24
